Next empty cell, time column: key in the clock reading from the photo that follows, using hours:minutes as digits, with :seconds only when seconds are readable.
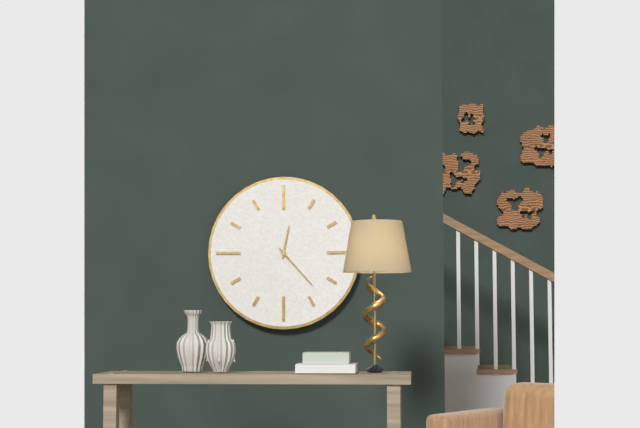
12:23
